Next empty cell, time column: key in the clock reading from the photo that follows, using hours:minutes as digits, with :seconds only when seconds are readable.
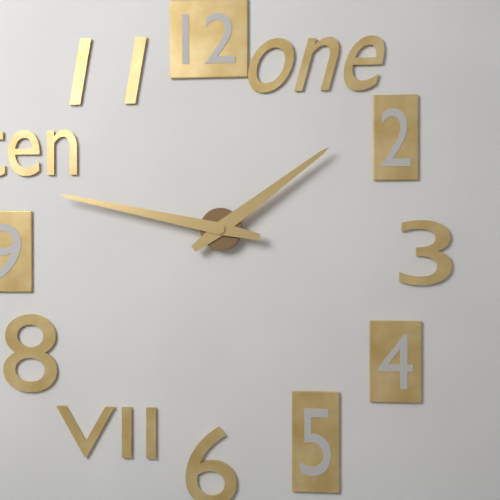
1:47
